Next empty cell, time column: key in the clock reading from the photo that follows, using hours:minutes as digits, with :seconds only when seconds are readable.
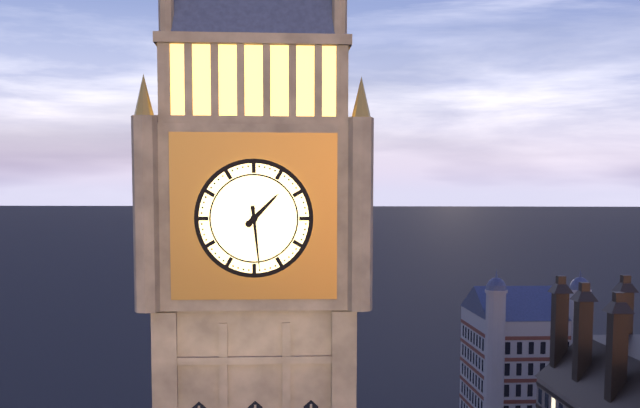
1:29
